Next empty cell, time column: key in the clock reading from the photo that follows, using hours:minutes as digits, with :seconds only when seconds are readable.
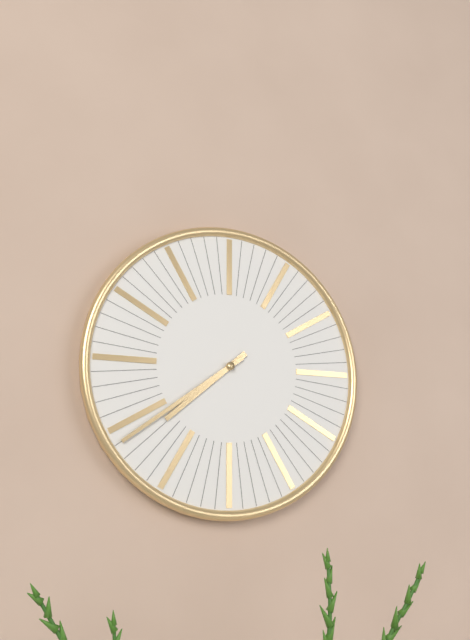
7:39
